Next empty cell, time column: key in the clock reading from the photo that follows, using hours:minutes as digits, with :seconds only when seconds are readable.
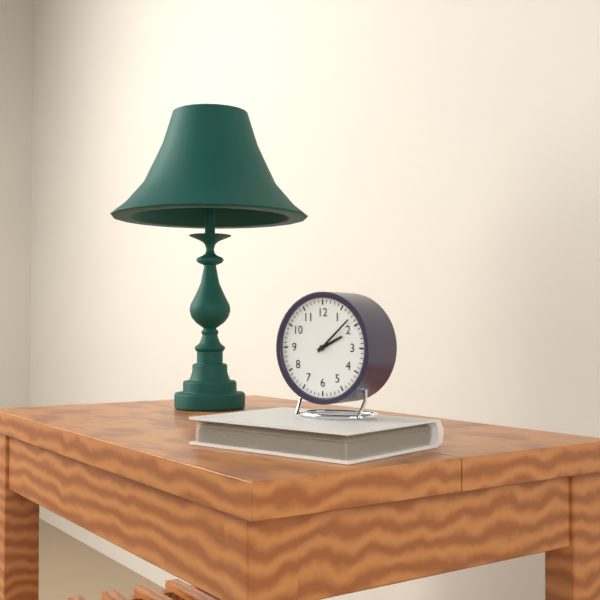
2:08
